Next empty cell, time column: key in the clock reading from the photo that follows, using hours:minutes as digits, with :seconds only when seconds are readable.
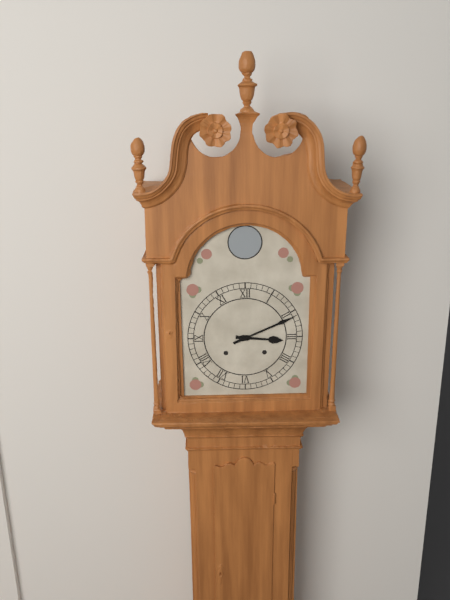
3:11
